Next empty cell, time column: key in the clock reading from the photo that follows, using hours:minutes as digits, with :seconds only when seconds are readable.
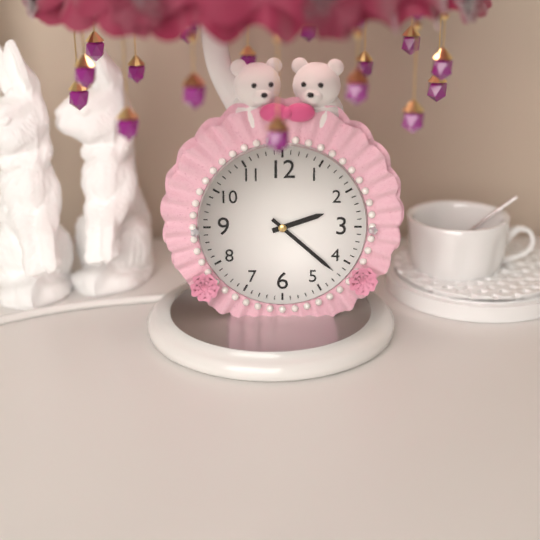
2:22
